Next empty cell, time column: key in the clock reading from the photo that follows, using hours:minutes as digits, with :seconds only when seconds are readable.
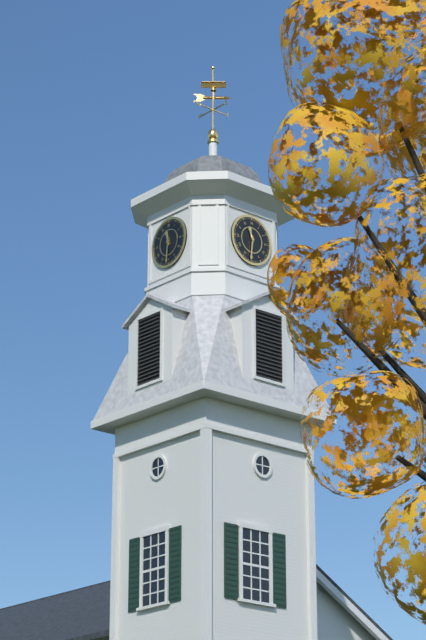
11:31
